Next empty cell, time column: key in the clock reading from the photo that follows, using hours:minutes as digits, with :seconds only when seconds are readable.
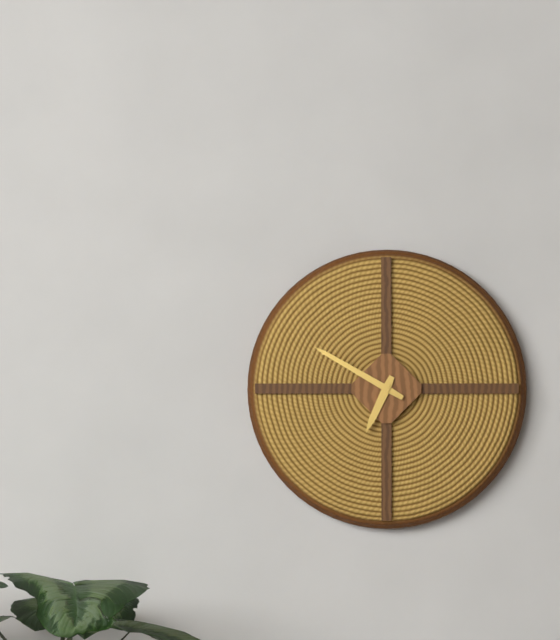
6:50
